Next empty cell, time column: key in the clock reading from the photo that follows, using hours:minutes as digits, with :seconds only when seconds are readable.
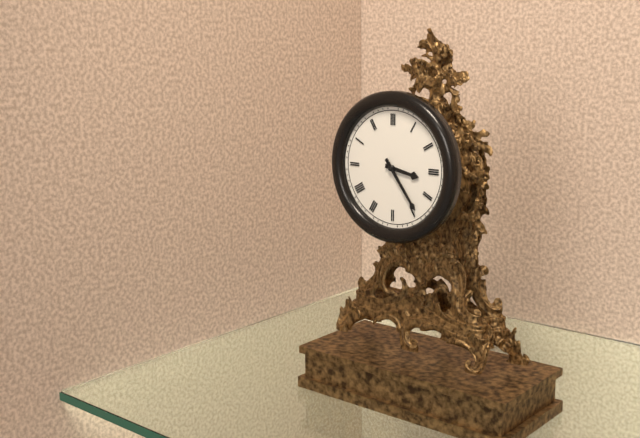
3:24
